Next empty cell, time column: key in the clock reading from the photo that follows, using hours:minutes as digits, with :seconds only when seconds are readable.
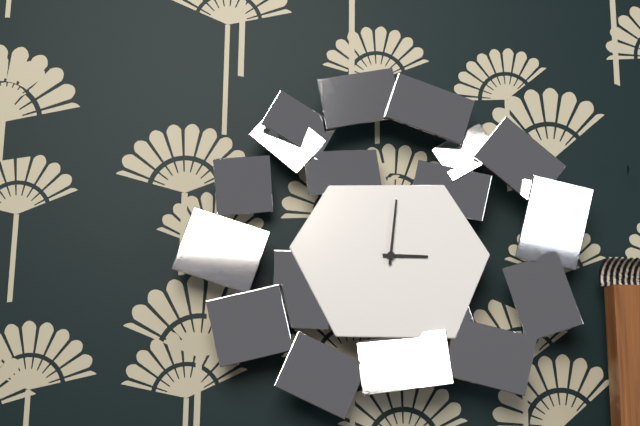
3:01
